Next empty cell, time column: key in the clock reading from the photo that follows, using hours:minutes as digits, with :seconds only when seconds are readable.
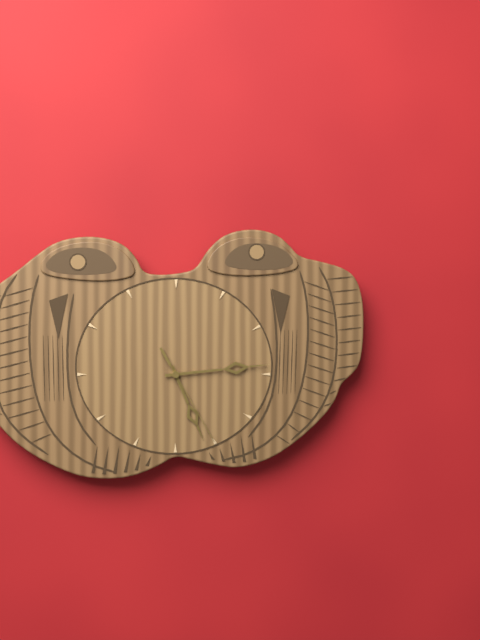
5:14:25
